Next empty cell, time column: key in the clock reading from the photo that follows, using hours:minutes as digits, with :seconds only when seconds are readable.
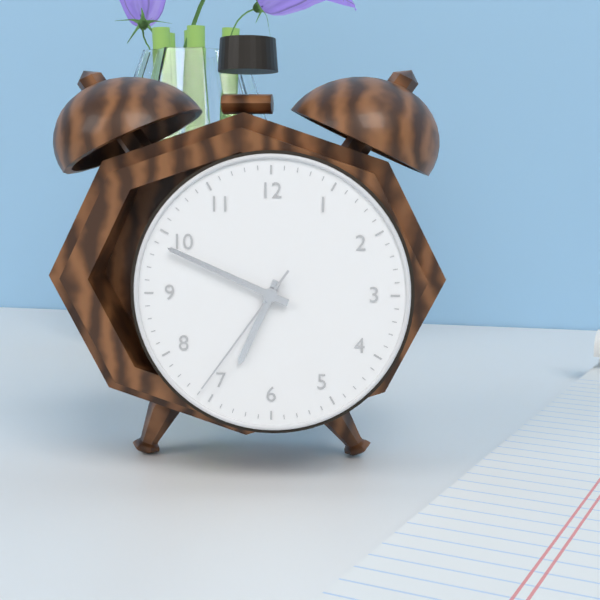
6:49:36
